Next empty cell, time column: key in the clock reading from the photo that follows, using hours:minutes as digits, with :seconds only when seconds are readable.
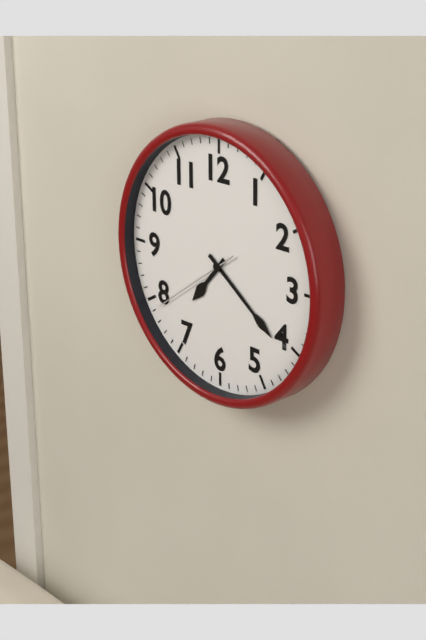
7:21:39
